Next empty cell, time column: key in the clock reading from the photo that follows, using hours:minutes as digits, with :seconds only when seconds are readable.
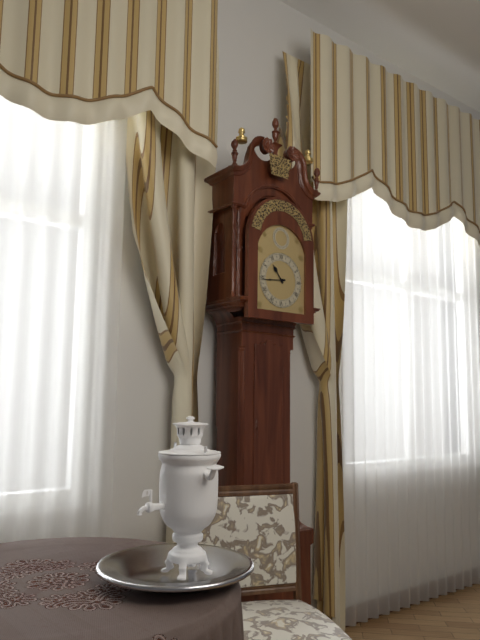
10:44
